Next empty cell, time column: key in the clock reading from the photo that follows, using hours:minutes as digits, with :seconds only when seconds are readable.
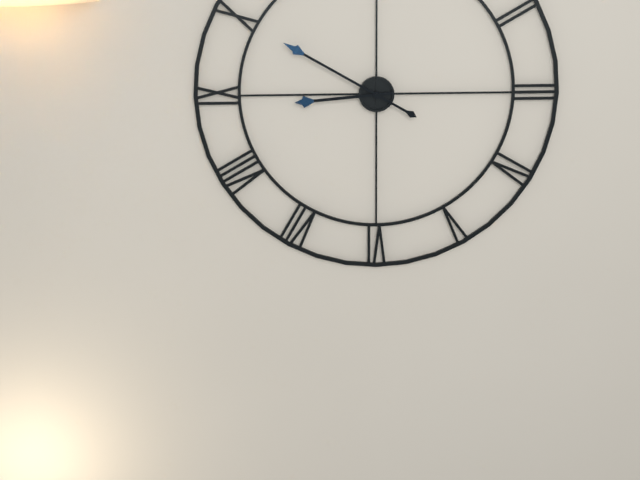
8:50
